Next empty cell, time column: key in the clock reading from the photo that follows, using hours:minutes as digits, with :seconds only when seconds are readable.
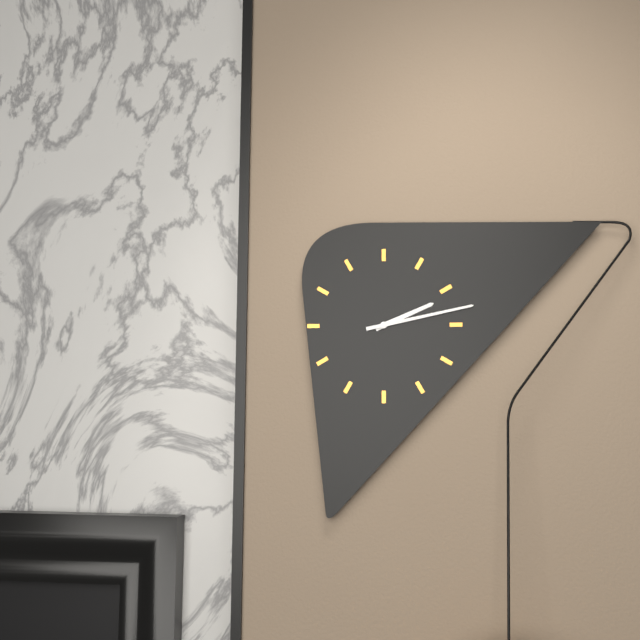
2:13
